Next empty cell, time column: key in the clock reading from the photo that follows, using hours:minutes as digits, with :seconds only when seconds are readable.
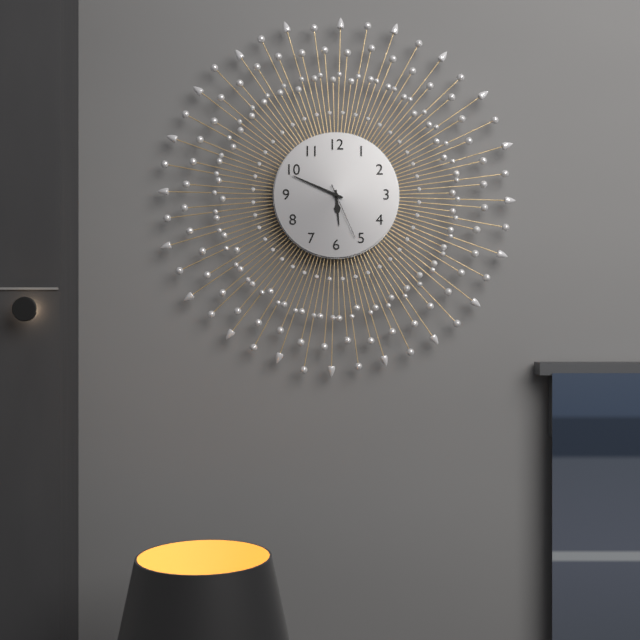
5:49:26
